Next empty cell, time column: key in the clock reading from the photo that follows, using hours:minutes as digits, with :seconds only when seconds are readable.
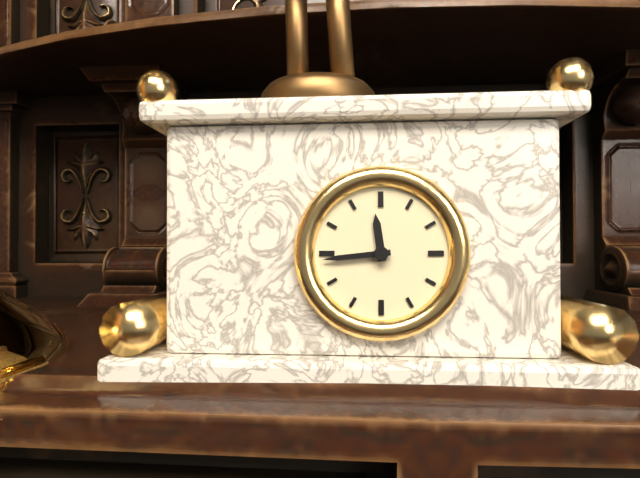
11:44
